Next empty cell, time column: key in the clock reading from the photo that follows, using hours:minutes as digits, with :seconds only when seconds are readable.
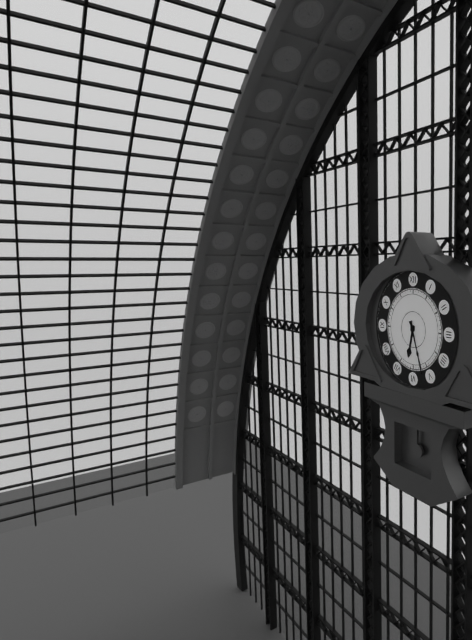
6:27
